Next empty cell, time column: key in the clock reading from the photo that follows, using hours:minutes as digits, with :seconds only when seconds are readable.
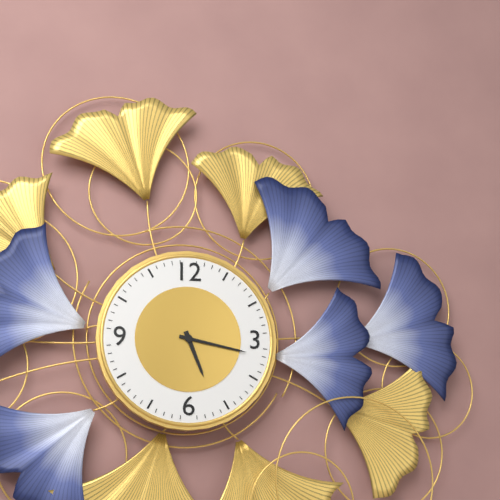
5:17
